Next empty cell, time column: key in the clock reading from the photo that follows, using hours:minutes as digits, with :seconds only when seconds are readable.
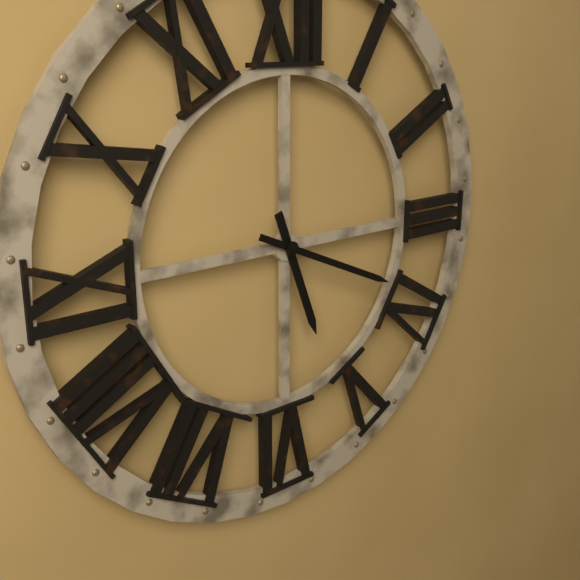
5:19
